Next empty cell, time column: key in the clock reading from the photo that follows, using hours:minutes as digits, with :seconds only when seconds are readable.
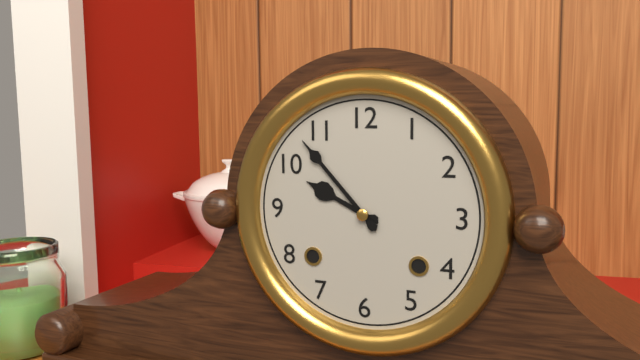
9:53
